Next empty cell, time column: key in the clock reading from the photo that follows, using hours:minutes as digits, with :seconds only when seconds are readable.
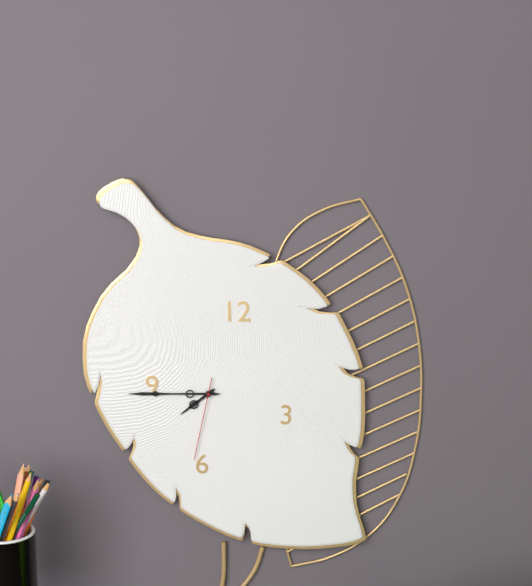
7:45:32
